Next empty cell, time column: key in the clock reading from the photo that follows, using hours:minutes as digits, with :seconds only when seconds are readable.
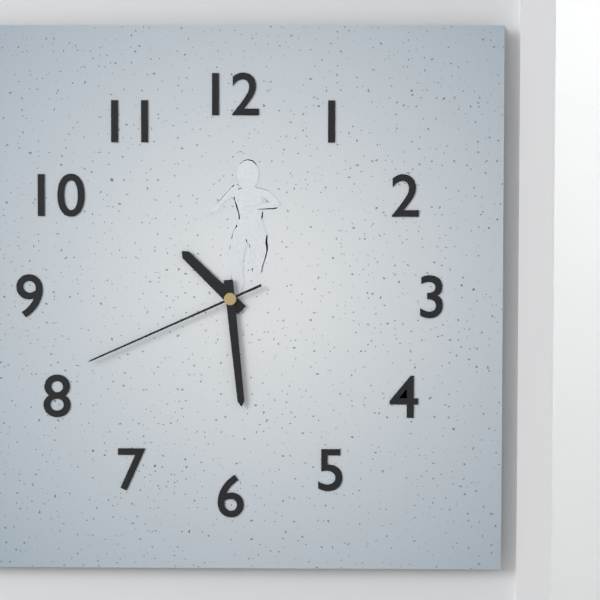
10:29:41
